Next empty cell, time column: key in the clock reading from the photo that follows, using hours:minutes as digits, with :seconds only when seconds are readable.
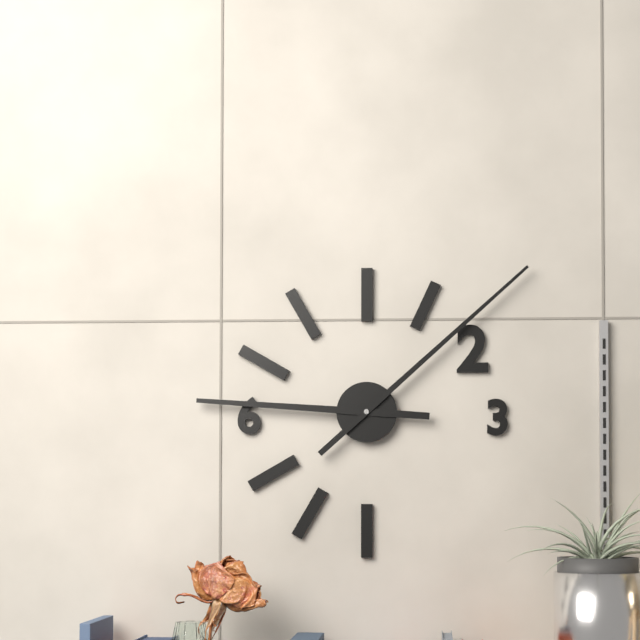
9:08
